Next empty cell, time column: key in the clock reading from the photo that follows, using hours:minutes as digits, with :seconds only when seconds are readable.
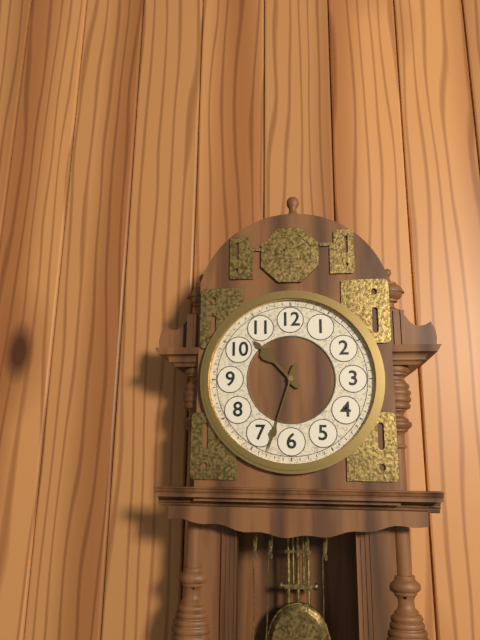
10:33
